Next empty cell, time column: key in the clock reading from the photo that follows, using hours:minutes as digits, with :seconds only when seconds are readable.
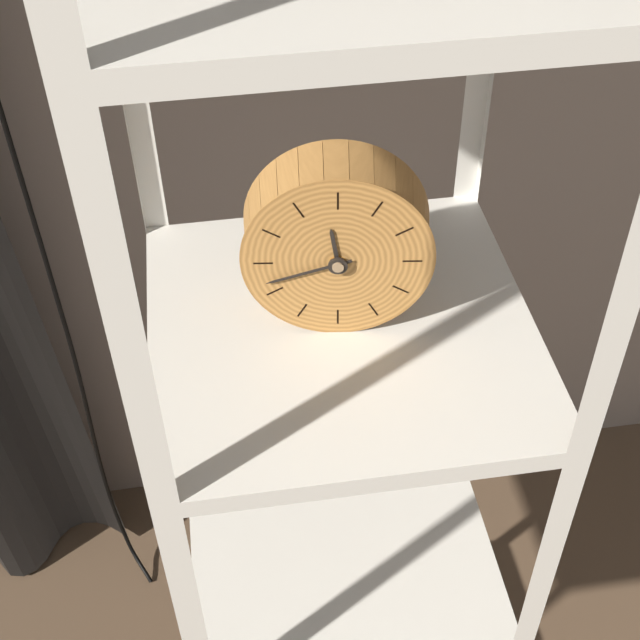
11:42
